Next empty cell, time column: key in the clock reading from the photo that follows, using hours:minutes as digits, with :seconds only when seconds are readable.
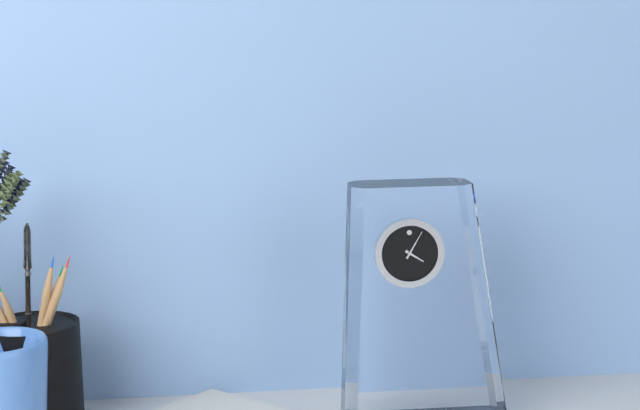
4:05
